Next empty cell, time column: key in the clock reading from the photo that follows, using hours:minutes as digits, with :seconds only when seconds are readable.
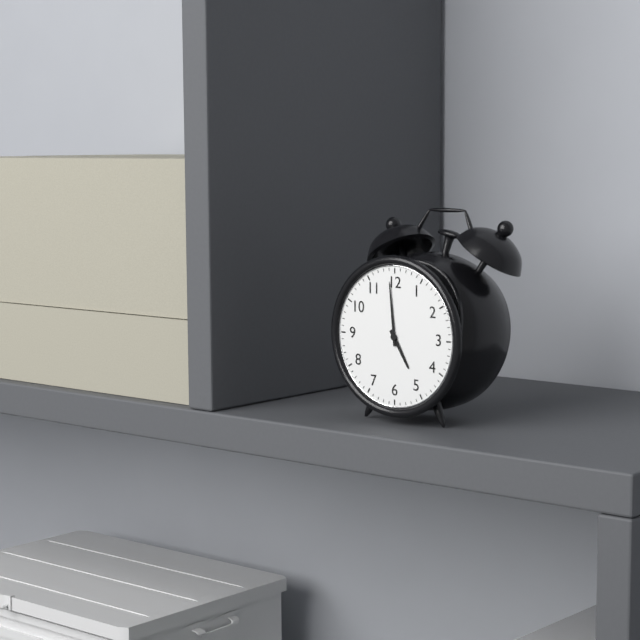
4:59
